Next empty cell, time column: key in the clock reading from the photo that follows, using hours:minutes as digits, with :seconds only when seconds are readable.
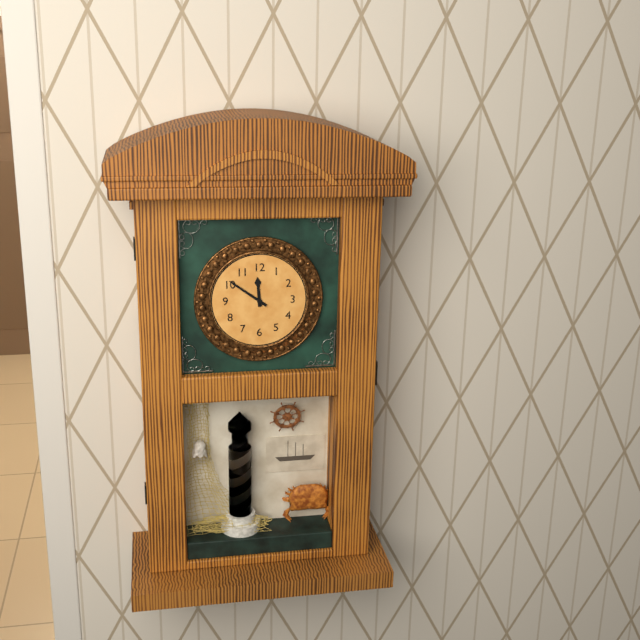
11:51
